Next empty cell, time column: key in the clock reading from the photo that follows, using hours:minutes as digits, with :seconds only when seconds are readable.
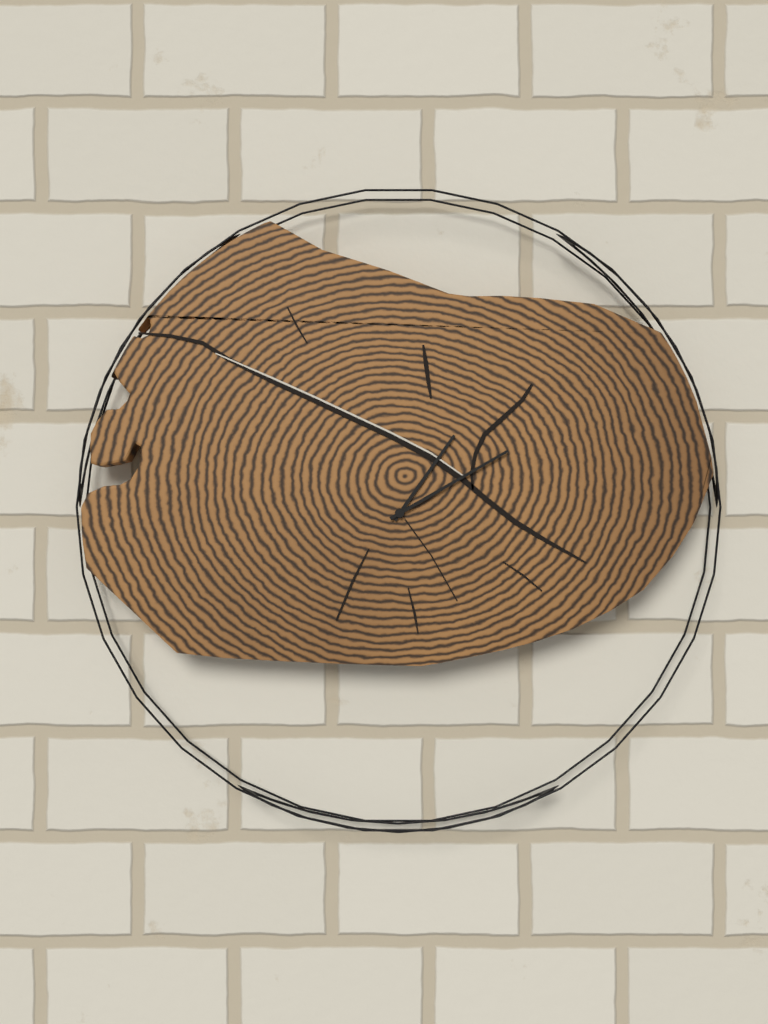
1:10
